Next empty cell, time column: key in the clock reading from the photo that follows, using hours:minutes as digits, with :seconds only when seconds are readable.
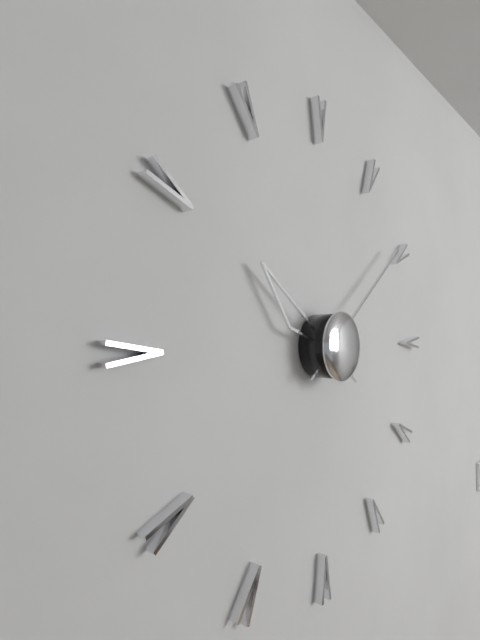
10:09
